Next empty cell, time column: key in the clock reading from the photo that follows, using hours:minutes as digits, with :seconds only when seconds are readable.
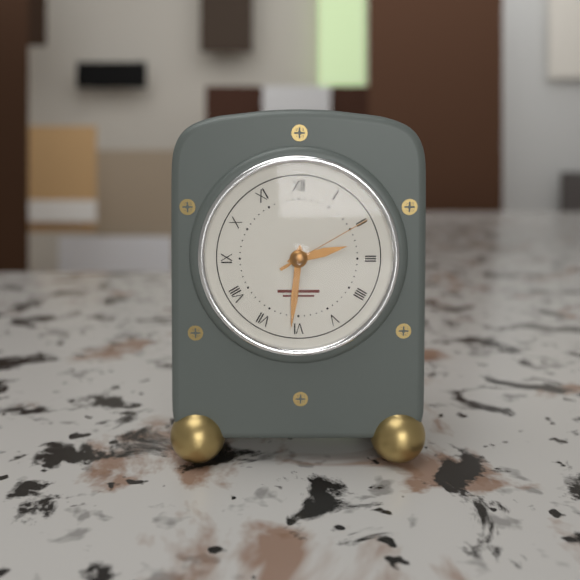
2:31:10
